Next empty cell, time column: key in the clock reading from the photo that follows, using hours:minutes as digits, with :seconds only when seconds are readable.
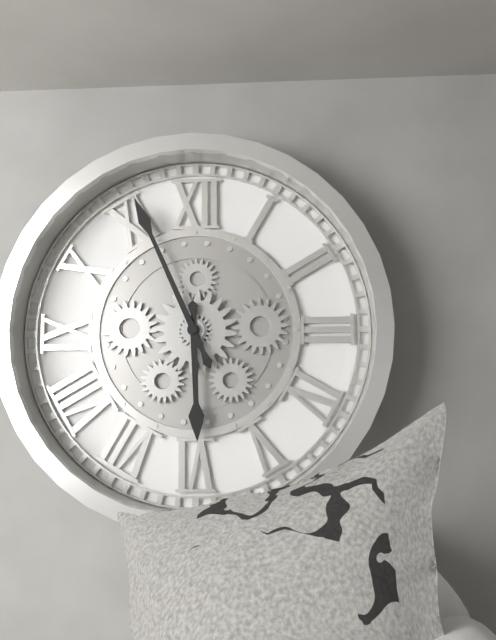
5:56
